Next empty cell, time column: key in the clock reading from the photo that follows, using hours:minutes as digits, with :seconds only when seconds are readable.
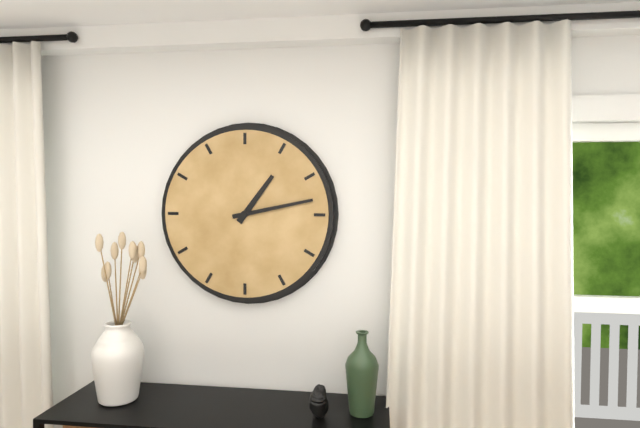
1:13
